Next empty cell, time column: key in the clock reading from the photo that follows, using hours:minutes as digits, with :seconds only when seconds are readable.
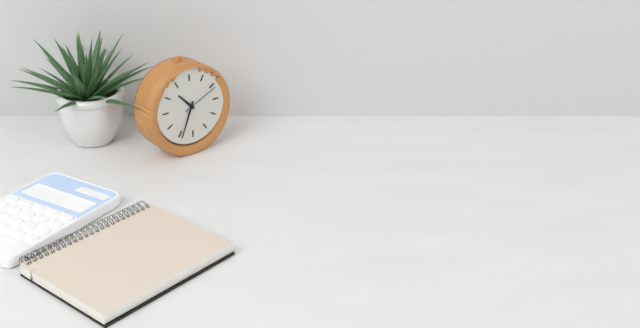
10:34
